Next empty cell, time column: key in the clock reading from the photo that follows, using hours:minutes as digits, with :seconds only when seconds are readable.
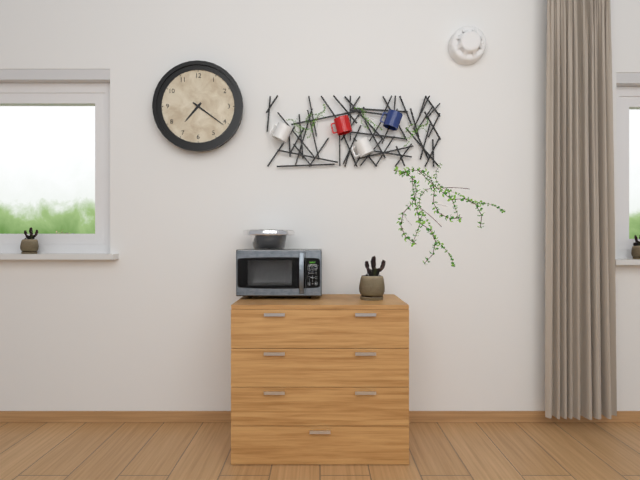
7:21
